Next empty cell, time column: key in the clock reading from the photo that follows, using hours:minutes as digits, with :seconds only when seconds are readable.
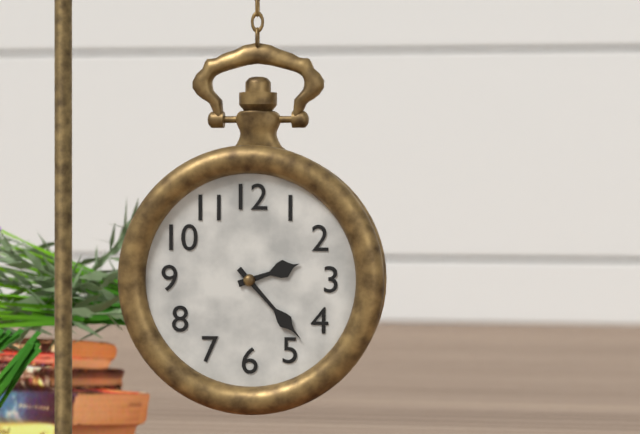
2:23
